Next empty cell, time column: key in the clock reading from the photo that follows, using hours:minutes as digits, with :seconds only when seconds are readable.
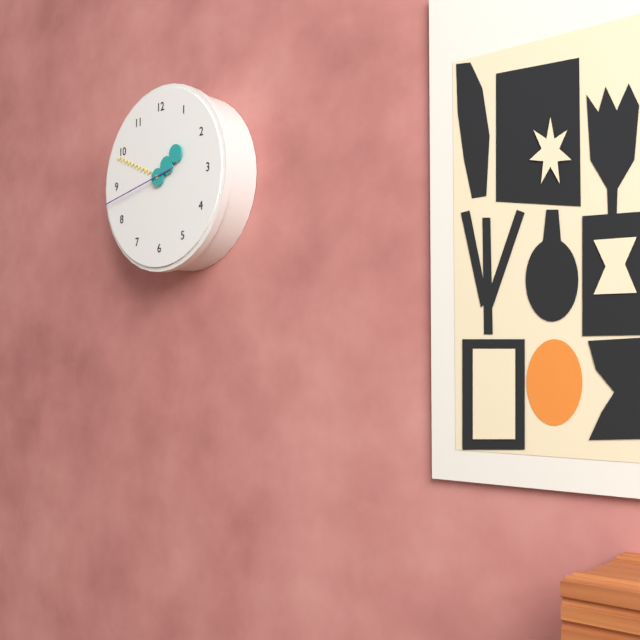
1:49:43
